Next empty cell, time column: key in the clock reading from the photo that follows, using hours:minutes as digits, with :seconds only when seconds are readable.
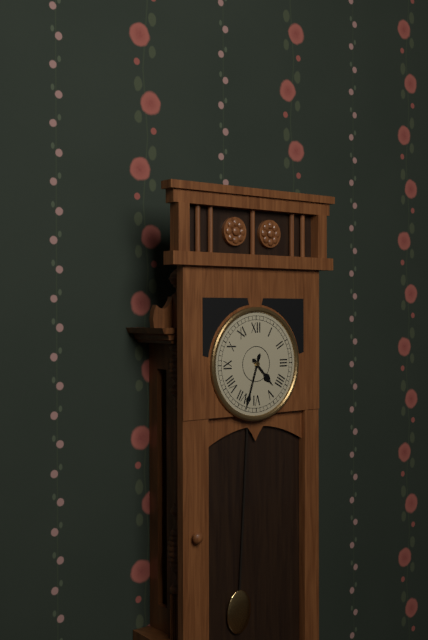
4:33
